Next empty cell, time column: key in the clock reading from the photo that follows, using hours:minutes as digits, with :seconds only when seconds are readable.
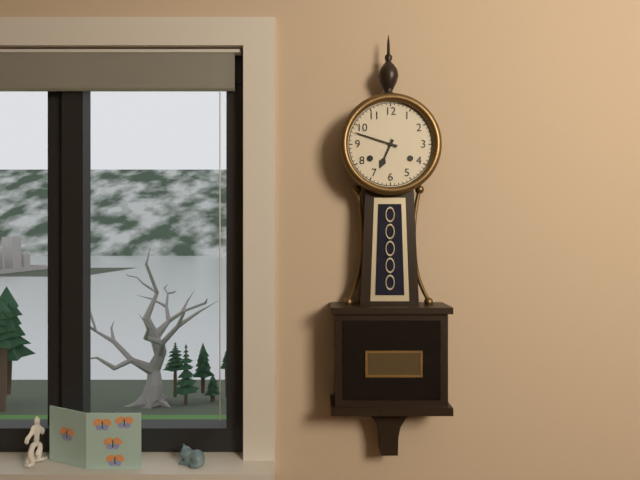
6:48
